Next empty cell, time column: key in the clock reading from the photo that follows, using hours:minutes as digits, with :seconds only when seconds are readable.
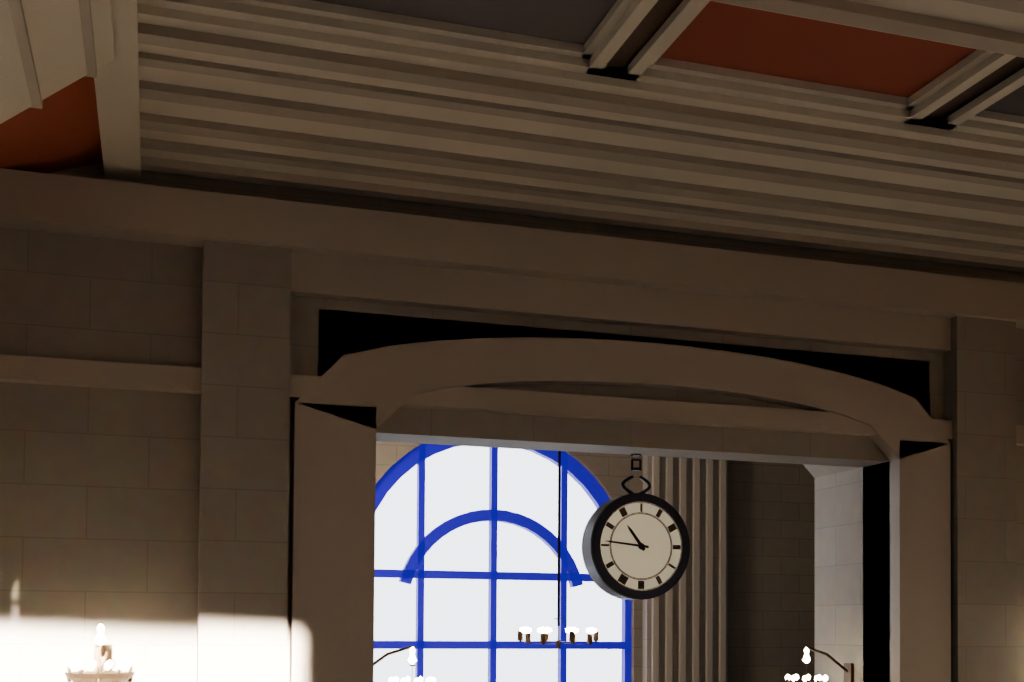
10:46
